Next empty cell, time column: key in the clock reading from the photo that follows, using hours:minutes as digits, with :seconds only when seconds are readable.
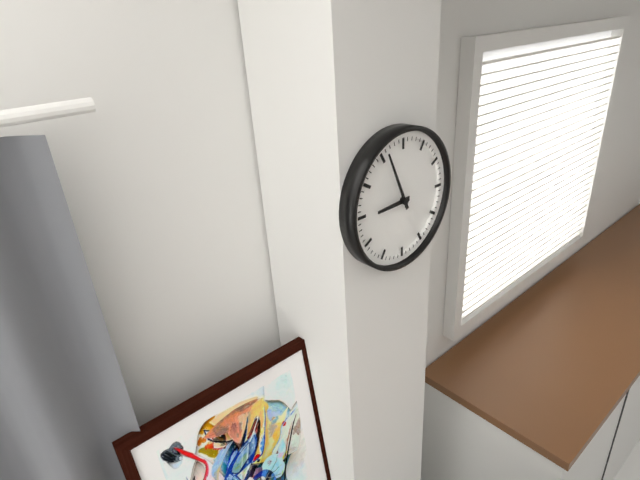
8:56
